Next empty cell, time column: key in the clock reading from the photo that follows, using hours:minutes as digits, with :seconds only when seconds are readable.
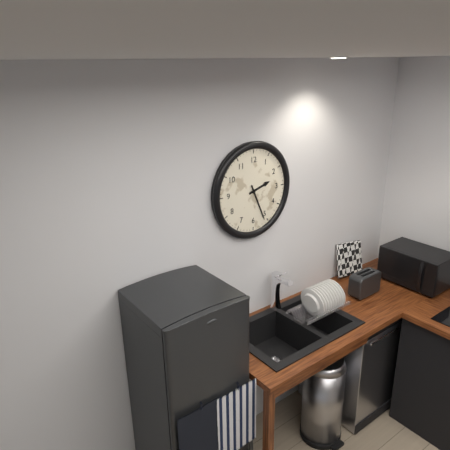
2:26
